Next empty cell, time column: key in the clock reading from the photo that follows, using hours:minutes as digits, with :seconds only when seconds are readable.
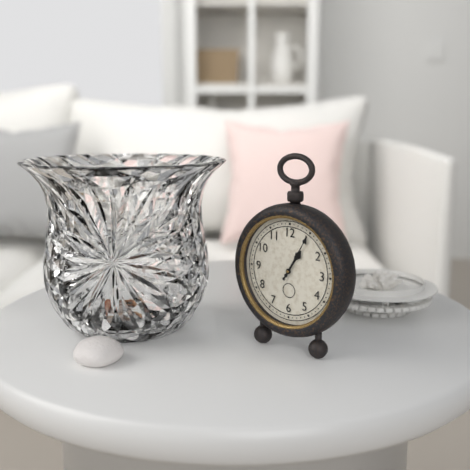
1:05
